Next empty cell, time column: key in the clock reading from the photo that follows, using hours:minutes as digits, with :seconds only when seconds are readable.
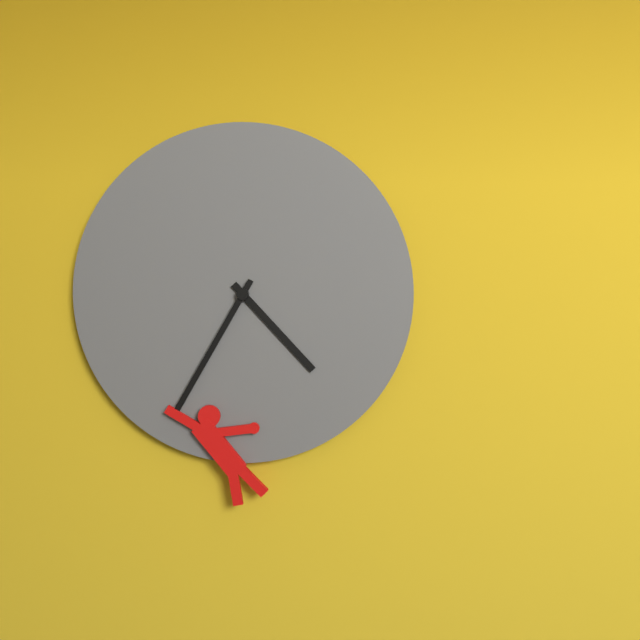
4:35
